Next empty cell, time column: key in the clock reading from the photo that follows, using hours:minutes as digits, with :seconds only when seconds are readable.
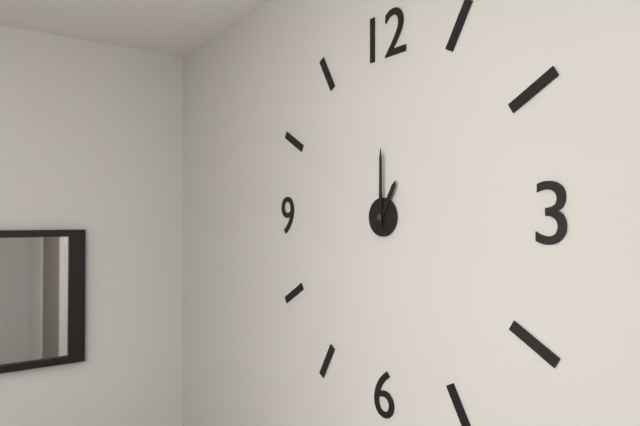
1:00
